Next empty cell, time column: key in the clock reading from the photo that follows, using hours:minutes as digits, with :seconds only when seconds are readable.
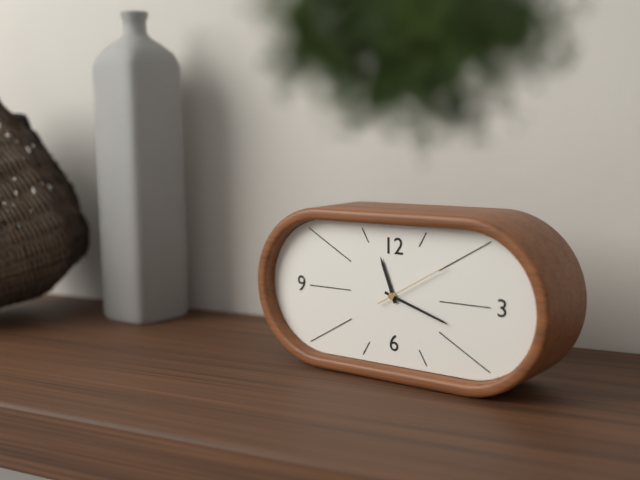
11:18:10
